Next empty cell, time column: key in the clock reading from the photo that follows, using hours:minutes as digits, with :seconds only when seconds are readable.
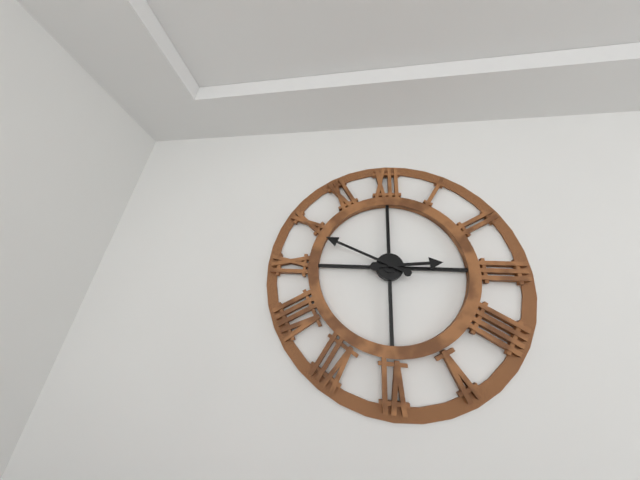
2:49
